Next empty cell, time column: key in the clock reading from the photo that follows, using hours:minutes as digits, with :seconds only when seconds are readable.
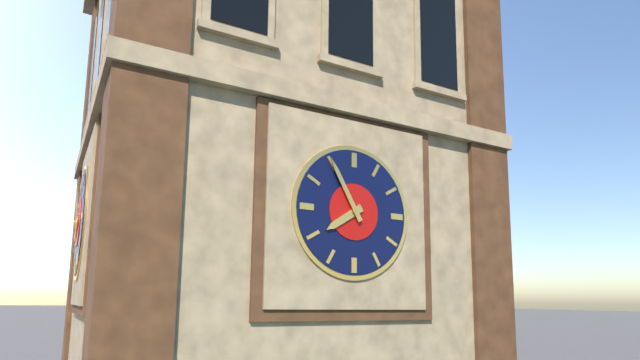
7:55
